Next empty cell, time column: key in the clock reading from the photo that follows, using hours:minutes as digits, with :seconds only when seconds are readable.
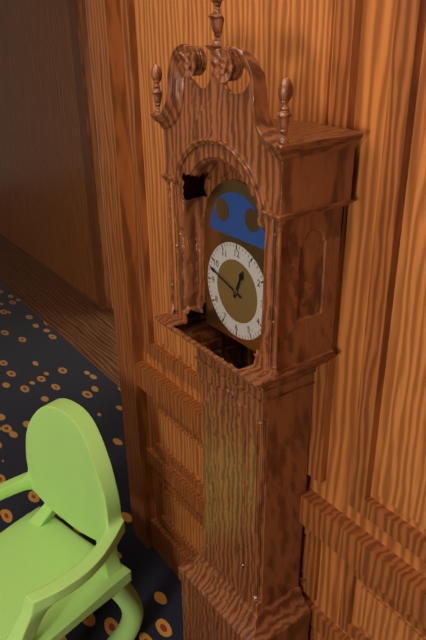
12:48
